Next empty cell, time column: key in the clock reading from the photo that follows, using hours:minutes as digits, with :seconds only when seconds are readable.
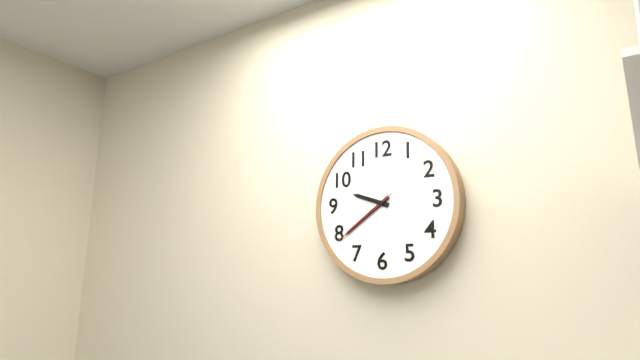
9:39:39
